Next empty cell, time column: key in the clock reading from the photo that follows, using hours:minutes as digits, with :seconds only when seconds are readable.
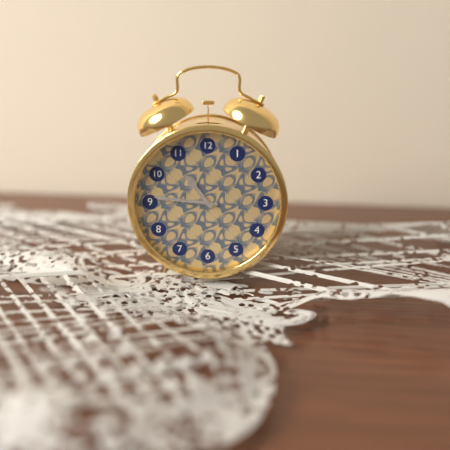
10:46
